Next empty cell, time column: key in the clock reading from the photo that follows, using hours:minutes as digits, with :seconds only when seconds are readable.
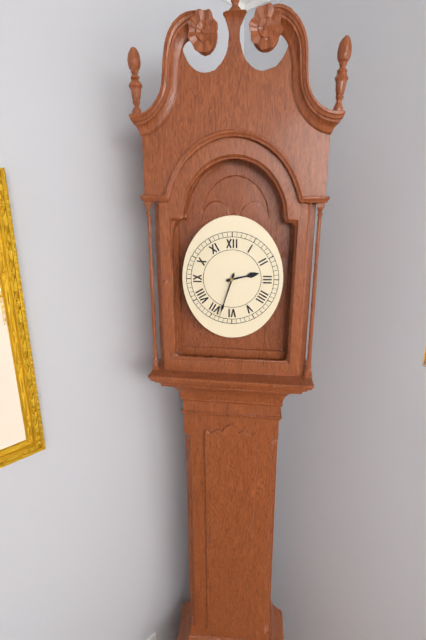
2:33
